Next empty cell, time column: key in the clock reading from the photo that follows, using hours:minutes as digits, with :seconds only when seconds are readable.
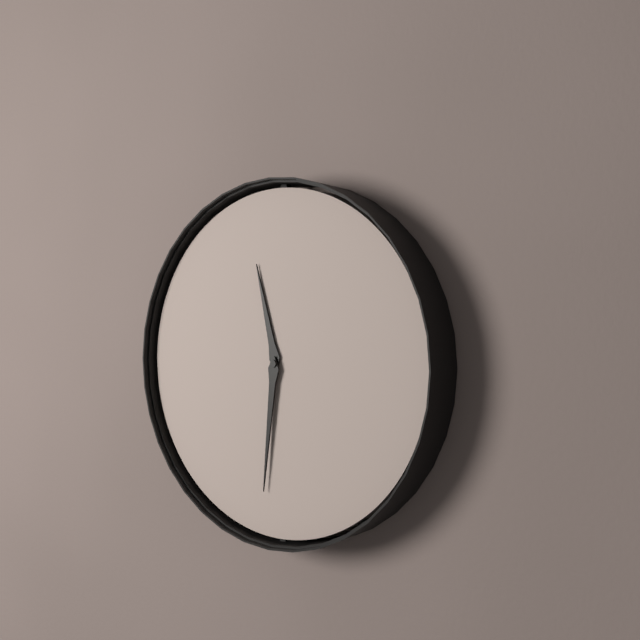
11:31
